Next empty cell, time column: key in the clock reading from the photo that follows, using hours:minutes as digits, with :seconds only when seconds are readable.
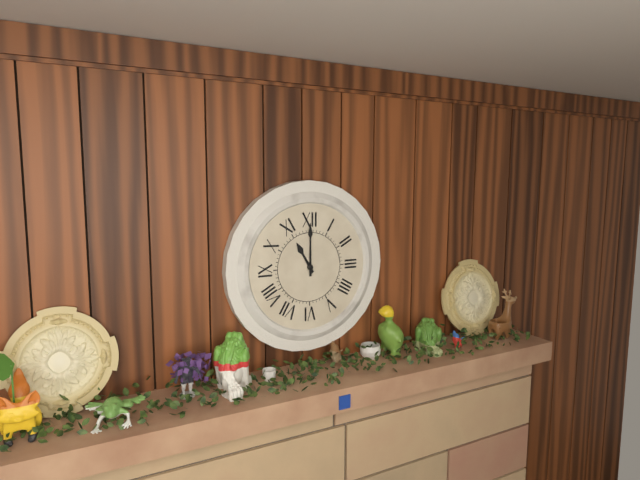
11:00
